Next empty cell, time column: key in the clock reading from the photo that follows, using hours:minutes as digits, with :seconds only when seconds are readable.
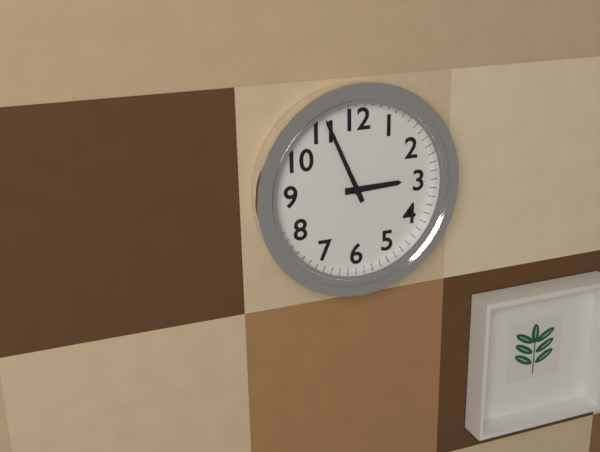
2:56
